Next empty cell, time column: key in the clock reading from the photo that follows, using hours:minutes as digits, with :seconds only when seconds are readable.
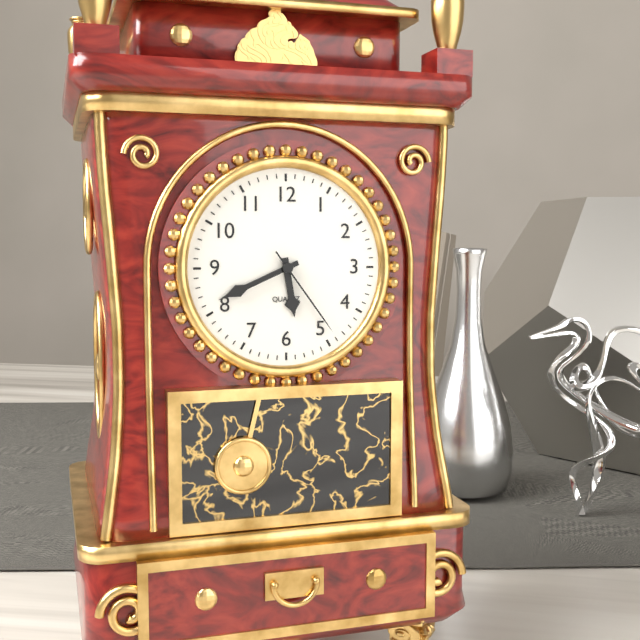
5:41:24
